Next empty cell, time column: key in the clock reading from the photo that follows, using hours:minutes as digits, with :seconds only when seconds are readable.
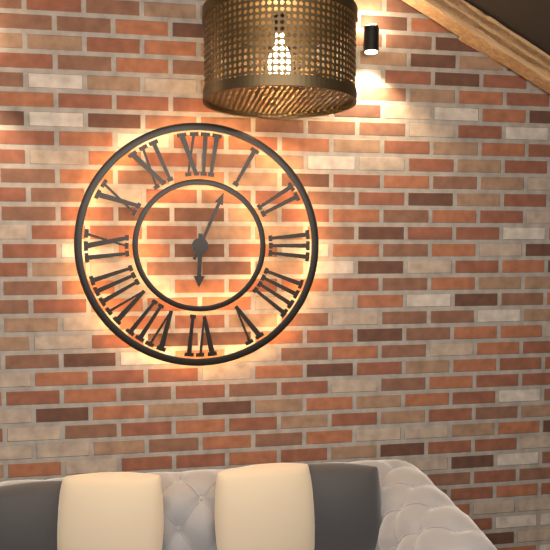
6:04
